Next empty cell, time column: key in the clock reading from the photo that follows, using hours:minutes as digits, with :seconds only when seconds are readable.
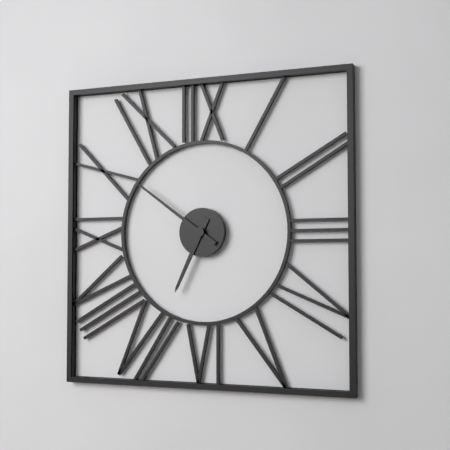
6:51
